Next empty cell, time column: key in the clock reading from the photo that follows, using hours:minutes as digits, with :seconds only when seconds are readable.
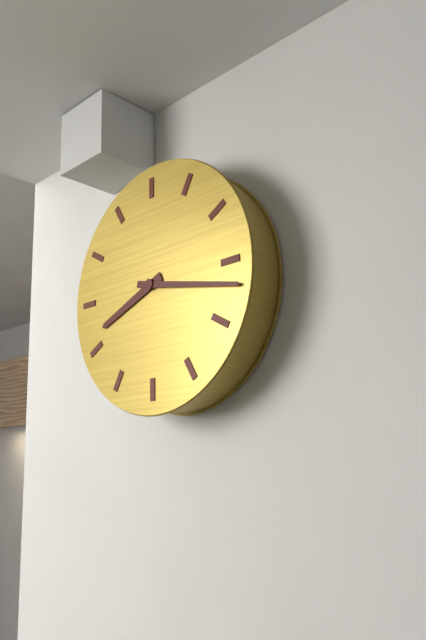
8:17
